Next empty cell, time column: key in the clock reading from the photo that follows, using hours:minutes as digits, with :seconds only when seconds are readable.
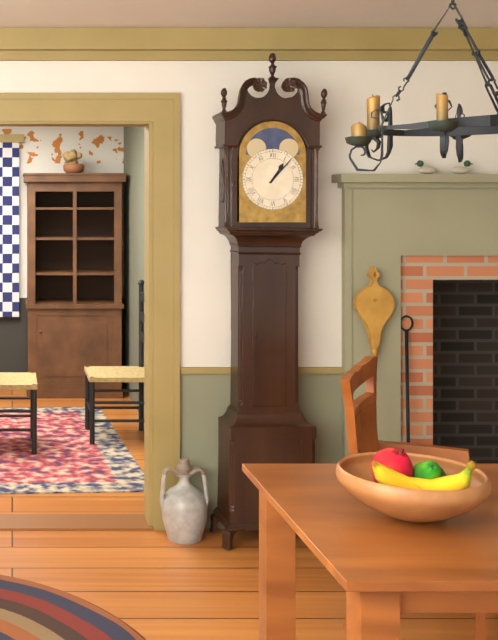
1:07
